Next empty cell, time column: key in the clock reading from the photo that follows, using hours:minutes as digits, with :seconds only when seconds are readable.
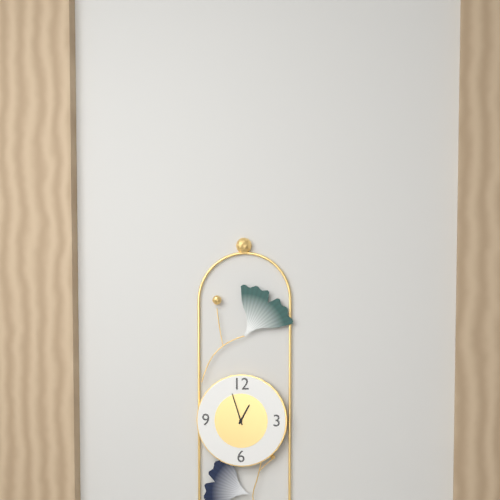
12:57
